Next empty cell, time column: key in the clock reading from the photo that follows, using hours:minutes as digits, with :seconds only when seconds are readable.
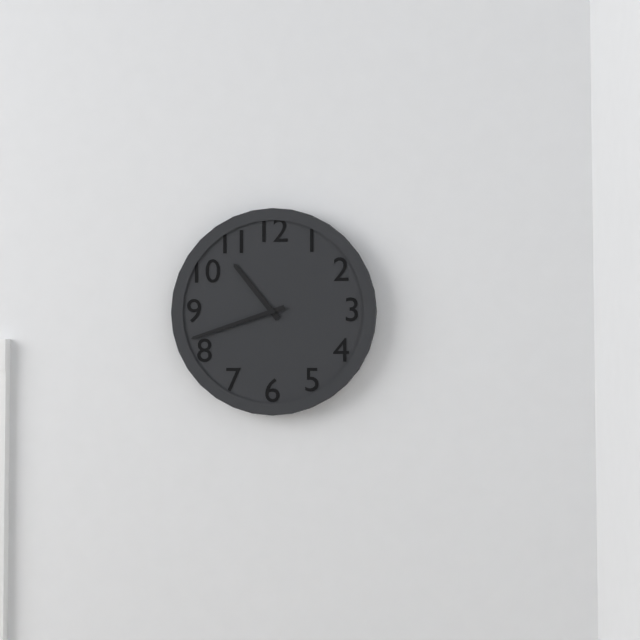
10:42
